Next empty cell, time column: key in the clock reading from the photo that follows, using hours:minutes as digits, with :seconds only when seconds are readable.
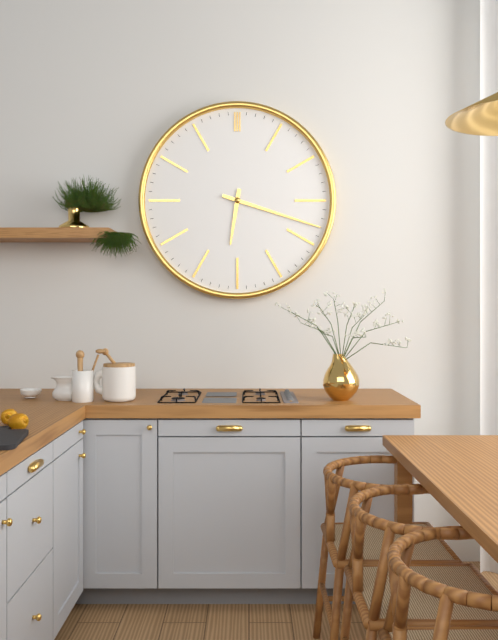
6:18
